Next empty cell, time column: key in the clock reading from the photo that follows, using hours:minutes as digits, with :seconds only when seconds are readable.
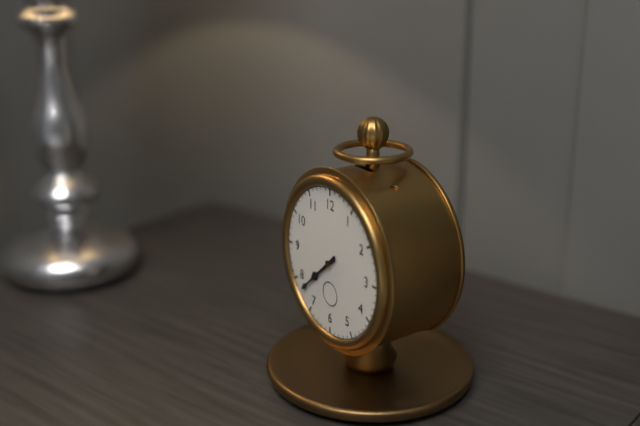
7:38
